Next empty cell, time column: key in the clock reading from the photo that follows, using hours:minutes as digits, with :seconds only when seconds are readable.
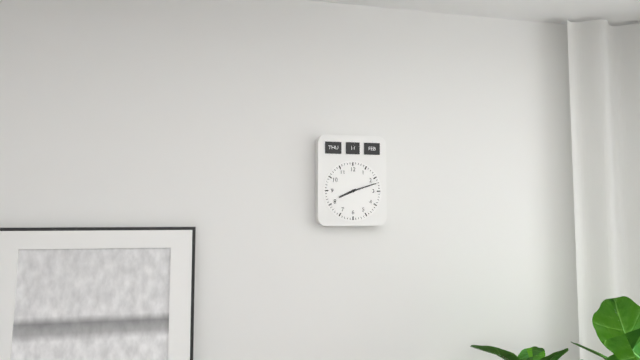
8:12
